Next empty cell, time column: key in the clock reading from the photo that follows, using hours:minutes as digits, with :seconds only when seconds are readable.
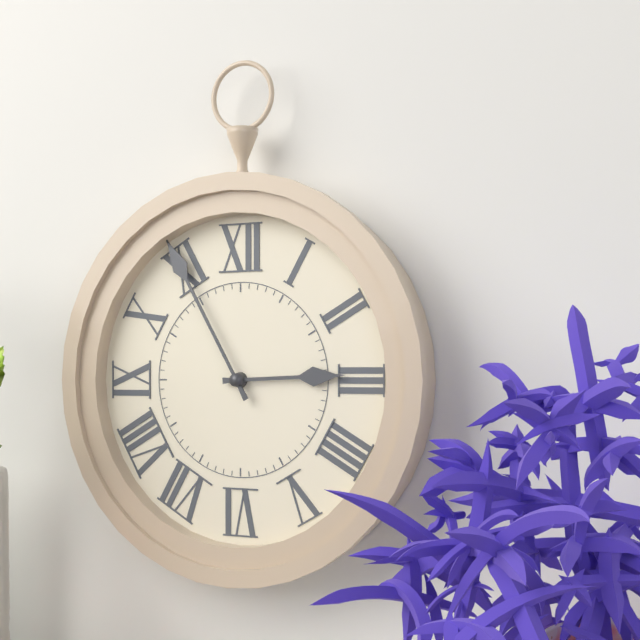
2:55
